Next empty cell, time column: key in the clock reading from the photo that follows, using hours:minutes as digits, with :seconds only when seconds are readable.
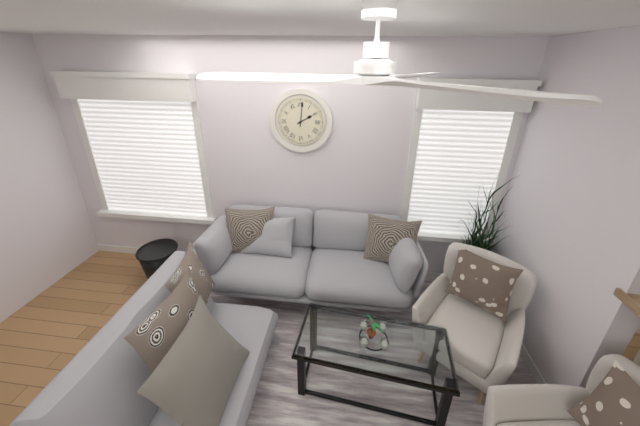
2:01
